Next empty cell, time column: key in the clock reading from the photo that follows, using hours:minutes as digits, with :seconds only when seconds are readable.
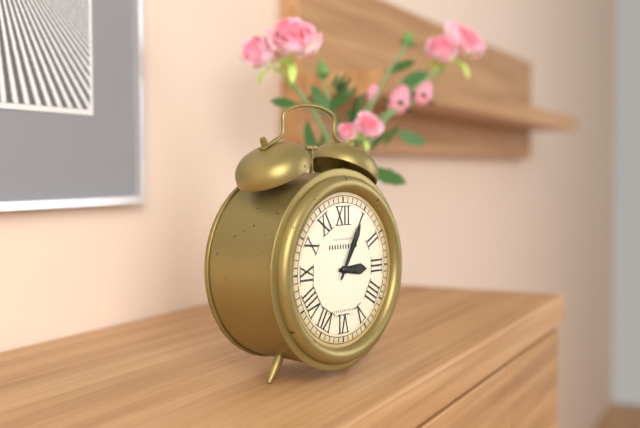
3:05
